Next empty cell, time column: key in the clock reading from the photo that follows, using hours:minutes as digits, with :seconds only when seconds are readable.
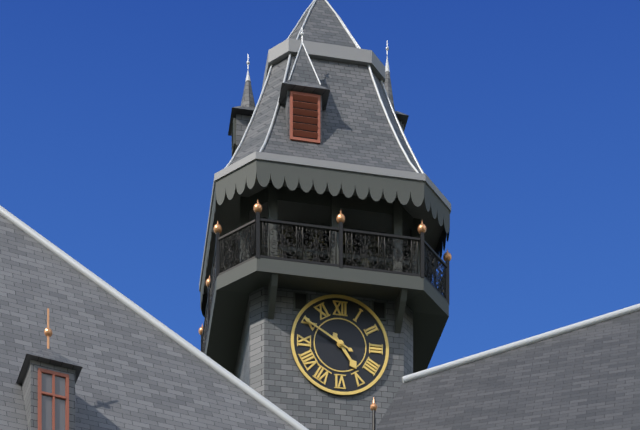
4:50
